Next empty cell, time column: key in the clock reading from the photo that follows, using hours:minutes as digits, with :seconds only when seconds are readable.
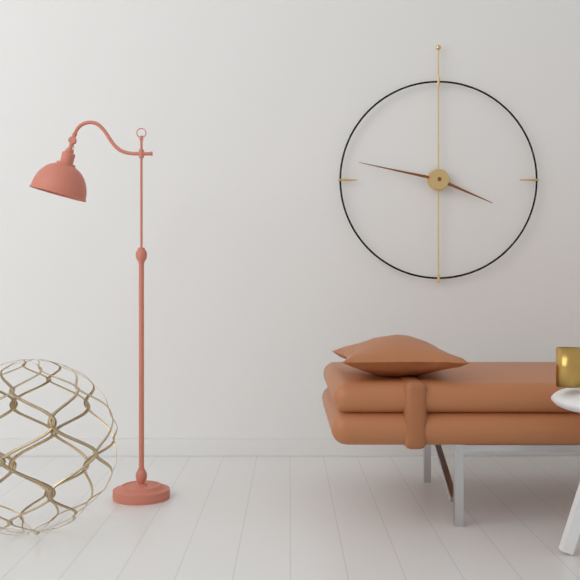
3:47
